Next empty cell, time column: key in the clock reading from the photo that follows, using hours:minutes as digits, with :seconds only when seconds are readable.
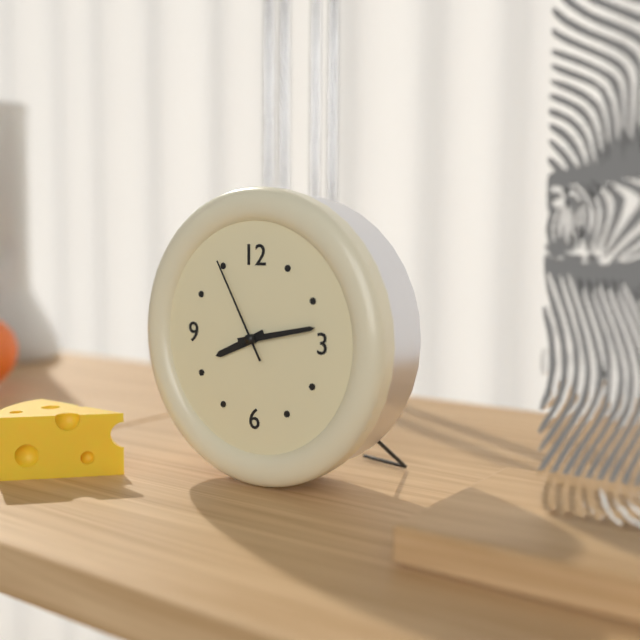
8:13:55
